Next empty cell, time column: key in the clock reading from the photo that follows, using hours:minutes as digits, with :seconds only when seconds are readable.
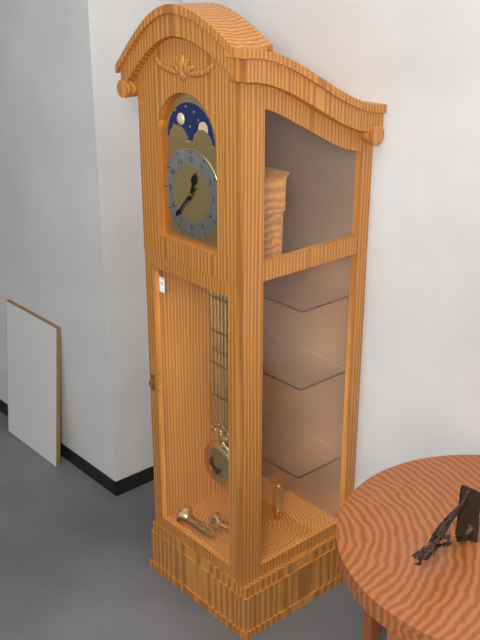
12:37
